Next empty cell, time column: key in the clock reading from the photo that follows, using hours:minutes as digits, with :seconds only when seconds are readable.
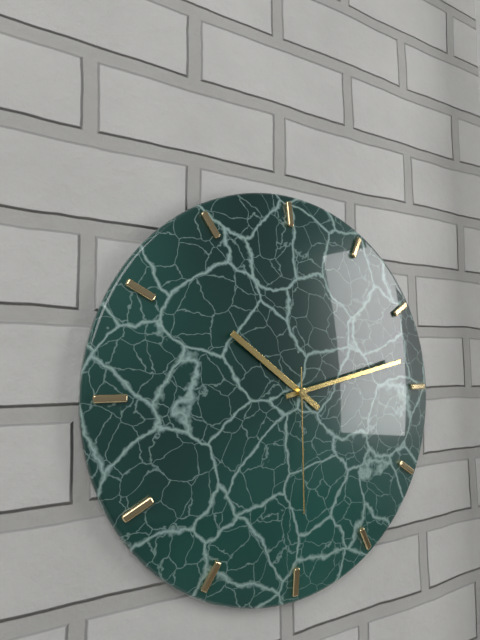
10:13:30
